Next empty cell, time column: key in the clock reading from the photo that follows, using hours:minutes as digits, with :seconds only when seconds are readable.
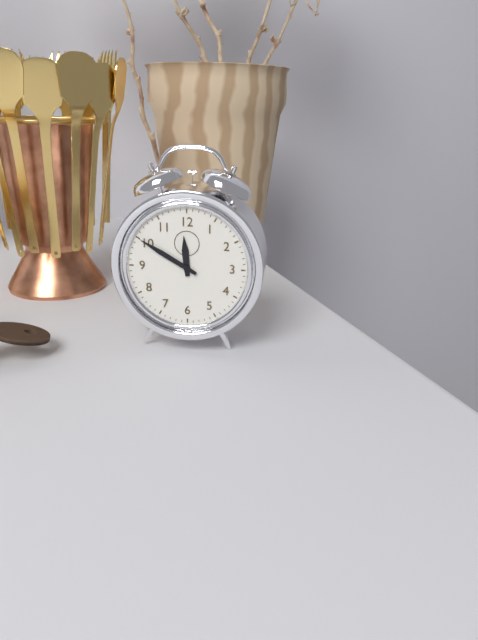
11:50
